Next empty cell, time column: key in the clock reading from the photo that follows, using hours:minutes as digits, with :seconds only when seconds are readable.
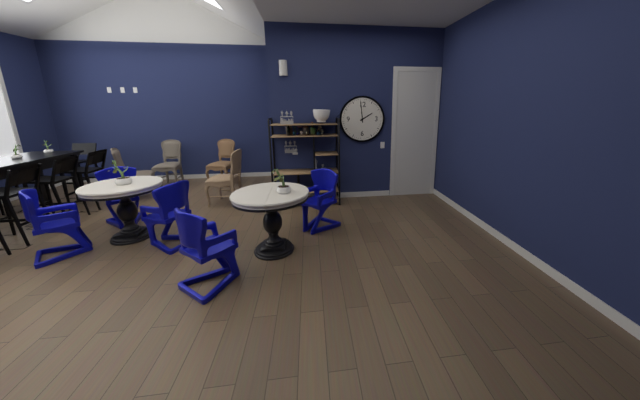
1:59
